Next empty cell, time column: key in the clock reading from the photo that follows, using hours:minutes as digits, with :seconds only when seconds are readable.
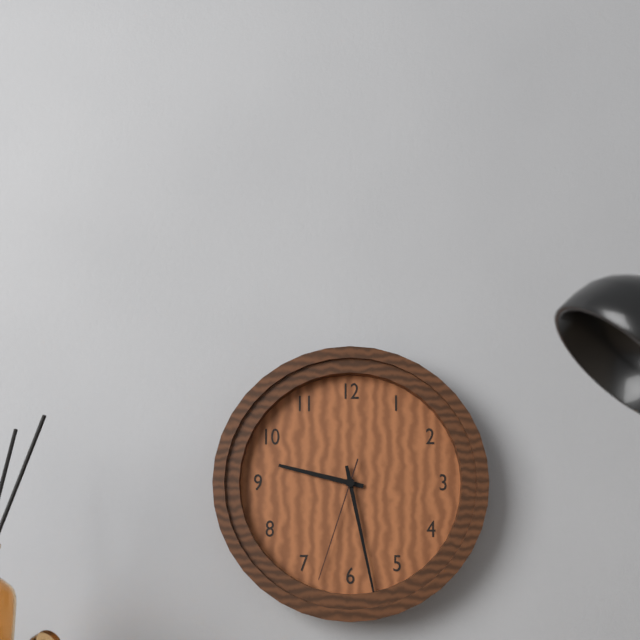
9:28:33
